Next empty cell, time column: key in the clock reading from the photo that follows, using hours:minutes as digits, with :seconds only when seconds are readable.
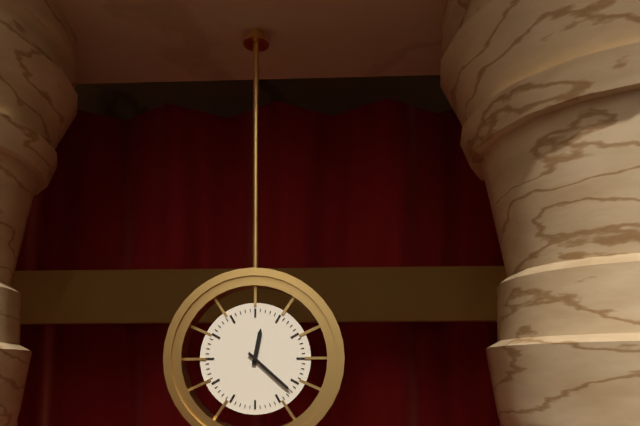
12:22
